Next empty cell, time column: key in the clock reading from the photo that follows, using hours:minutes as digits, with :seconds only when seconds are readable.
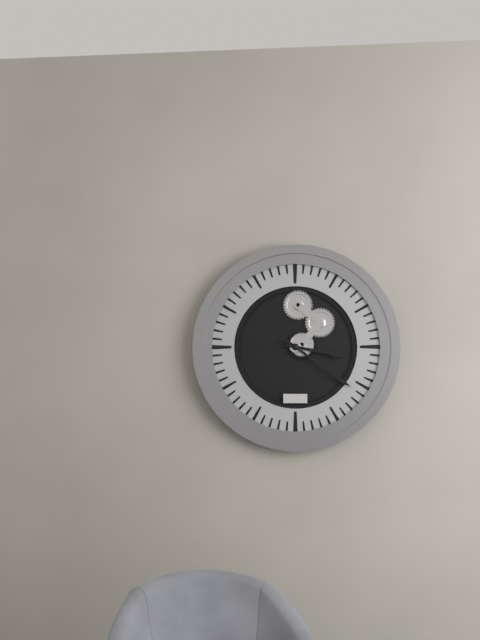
3:21
